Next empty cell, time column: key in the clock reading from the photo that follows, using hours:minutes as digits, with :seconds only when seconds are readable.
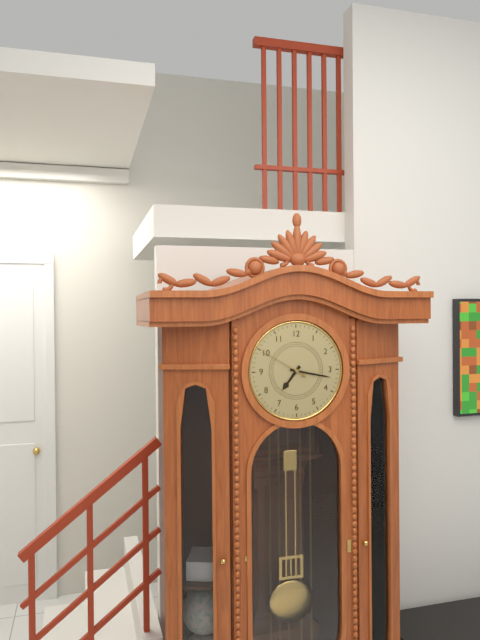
7:17
